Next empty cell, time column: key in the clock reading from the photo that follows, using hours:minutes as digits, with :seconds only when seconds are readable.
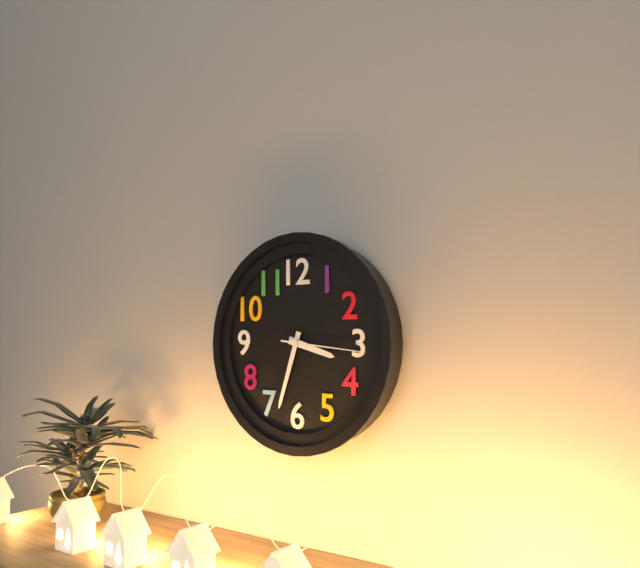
3:33:16
